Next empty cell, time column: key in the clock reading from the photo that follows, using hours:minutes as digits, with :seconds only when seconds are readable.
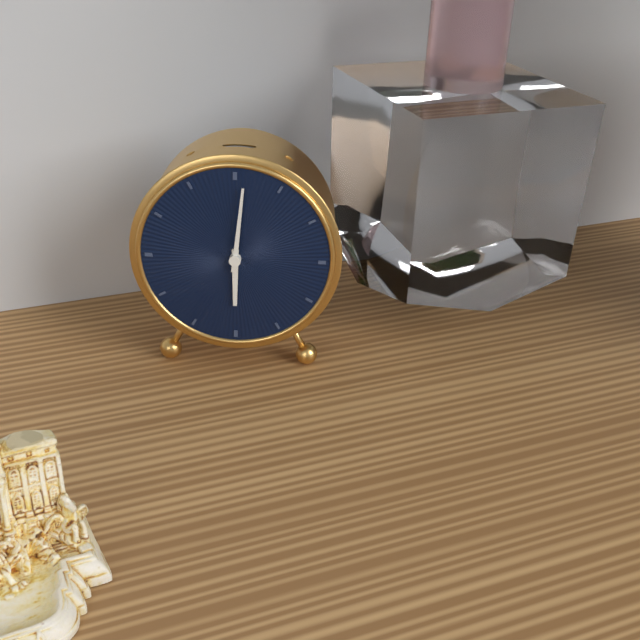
6:01
